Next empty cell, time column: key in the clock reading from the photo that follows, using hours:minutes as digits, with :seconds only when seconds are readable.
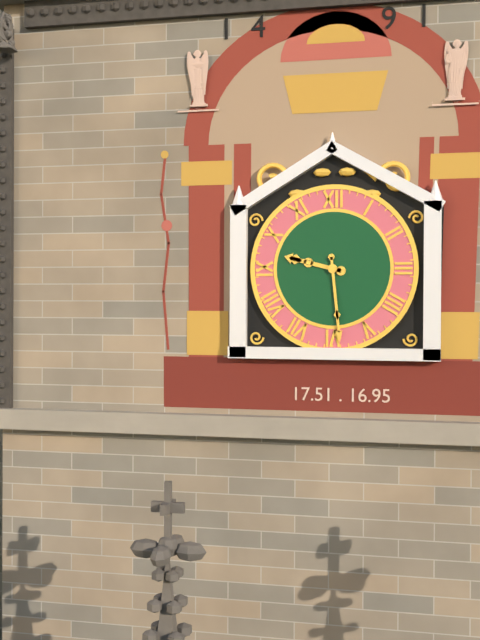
9:29
